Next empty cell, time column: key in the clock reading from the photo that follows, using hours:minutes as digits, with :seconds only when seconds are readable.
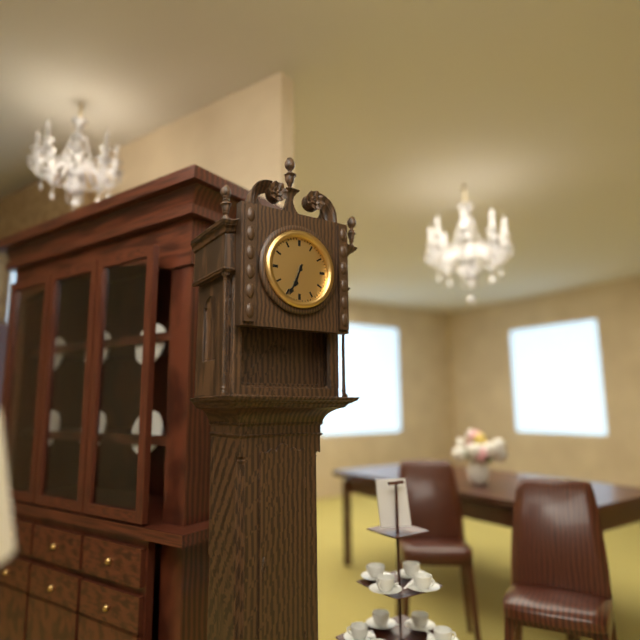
6:34
